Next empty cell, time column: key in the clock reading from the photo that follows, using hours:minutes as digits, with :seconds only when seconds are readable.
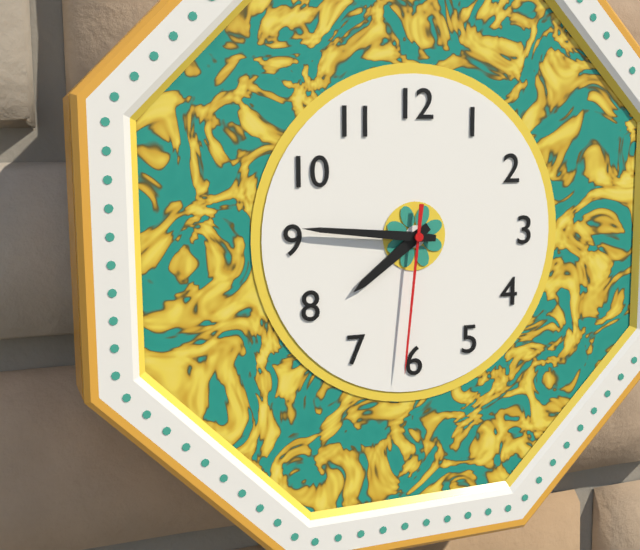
7:46:31
